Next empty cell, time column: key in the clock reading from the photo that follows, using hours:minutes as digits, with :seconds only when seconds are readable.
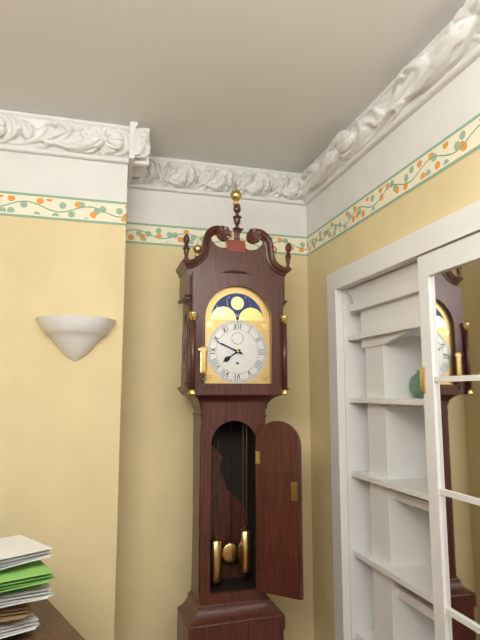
7:49
